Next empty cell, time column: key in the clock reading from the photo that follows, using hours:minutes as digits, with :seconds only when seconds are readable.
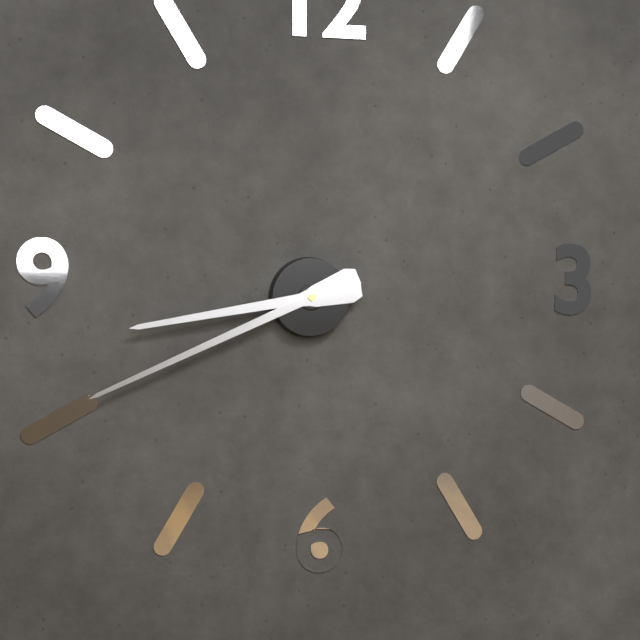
8:41
